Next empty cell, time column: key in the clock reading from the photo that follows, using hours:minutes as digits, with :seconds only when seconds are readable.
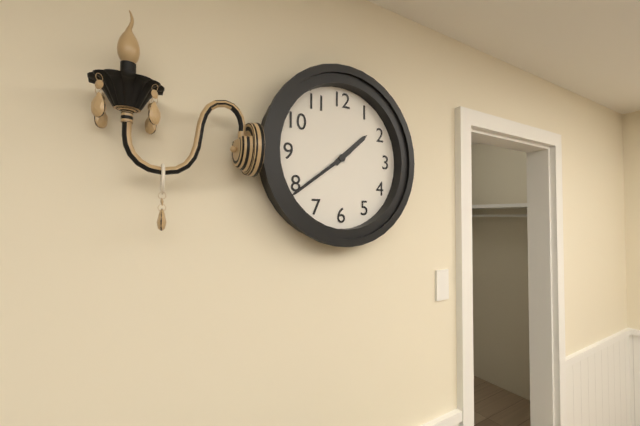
1:39
